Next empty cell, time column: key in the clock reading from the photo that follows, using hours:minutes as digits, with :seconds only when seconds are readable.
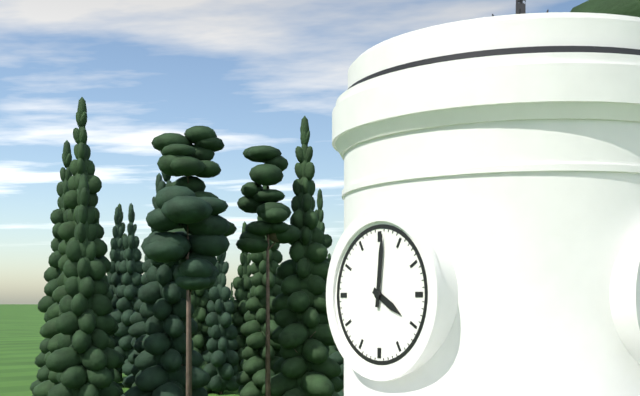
4:01
